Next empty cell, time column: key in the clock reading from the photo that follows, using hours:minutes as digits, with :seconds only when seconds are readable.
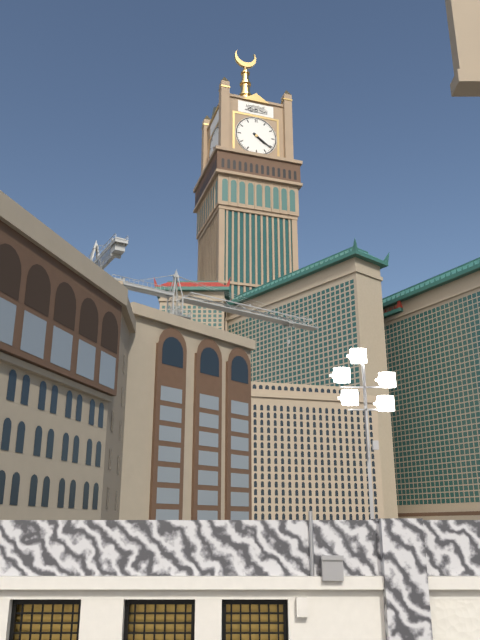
4:21
